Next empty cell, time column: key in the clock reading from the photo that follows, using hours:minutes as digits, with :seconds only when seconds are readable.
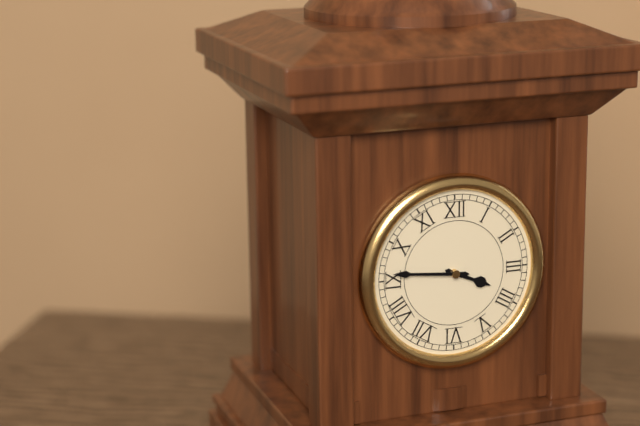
3:46
